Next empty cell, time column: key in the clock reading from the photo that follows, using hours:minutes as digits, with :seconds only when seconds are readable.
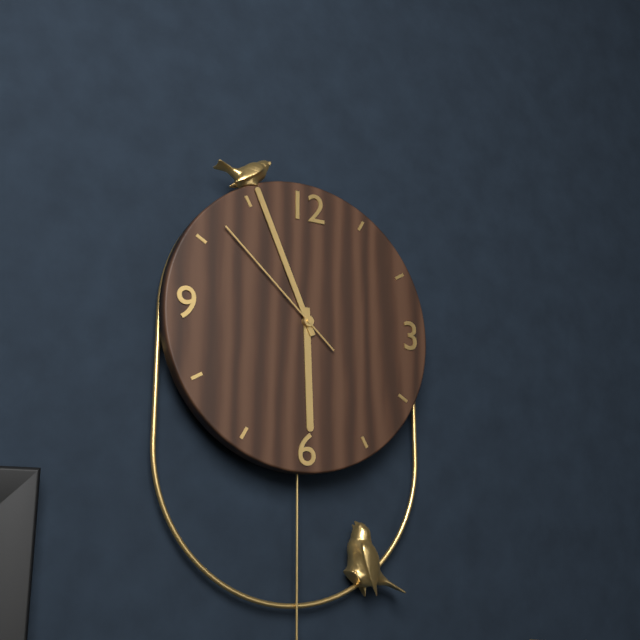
5:56:52
